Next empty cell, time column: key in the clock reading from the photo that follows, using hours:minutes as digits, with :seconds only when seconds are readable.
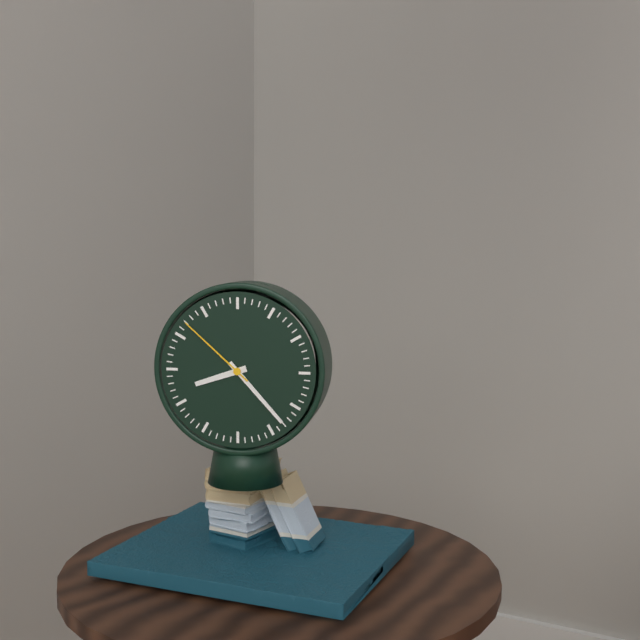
8:23:52
